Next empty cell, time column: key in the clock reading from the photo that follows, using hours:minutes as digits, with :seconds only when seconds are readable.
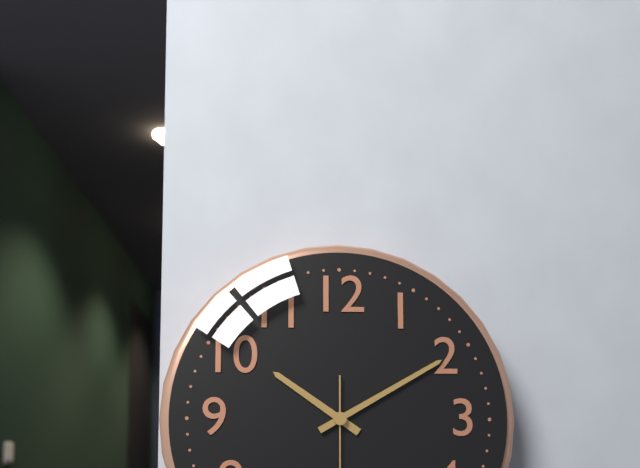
10:10
